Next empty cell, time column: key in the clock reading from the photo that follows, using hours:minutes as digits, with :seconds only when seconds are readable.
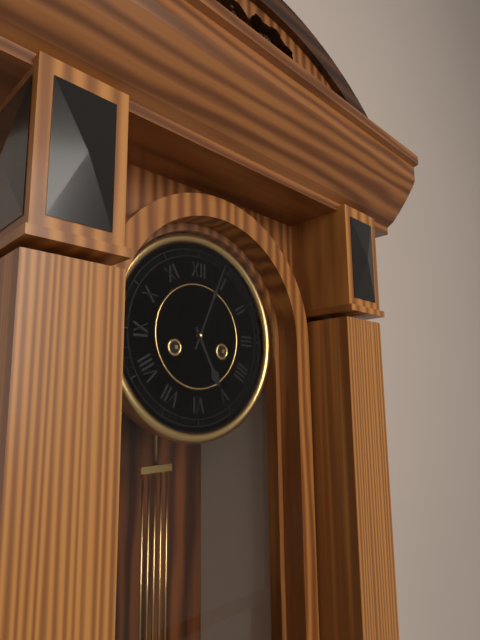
5:04
